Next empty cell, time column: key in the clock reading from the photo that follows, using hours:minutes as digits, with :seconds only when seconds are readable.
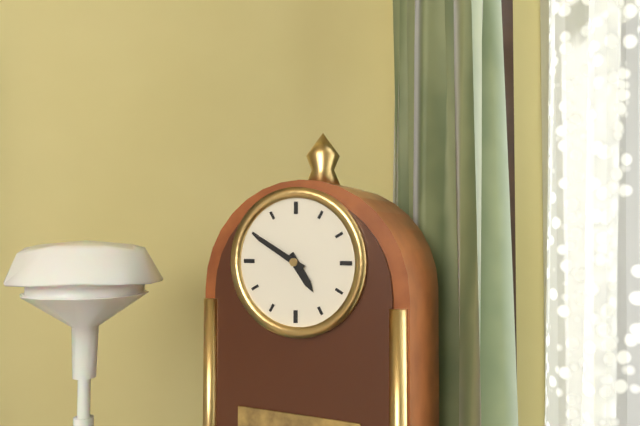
4:50
